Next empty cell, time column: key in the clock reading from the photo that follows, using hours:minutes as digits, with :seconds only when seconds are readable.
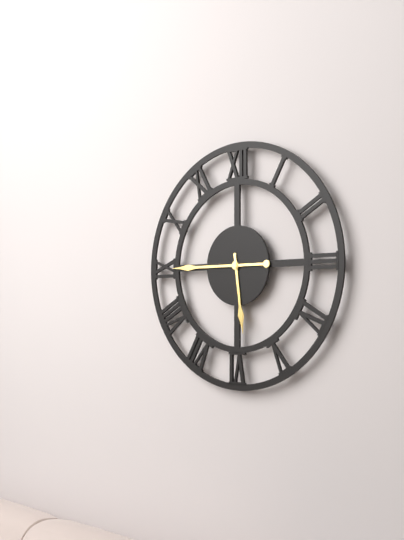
5:45
